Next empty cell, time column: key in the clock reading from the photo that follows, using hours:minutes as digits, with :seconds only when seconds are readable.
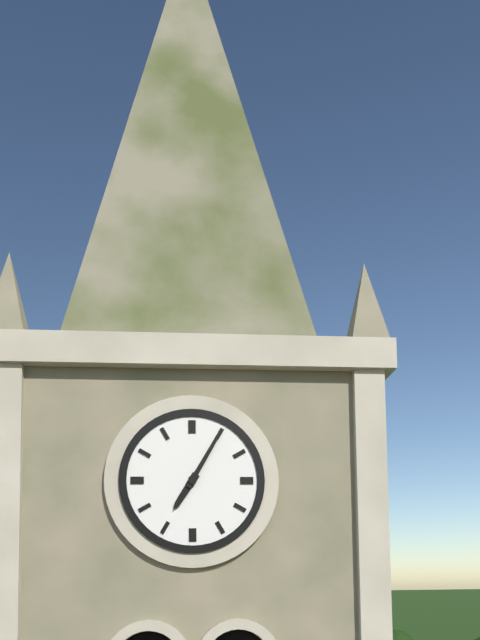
7:05
